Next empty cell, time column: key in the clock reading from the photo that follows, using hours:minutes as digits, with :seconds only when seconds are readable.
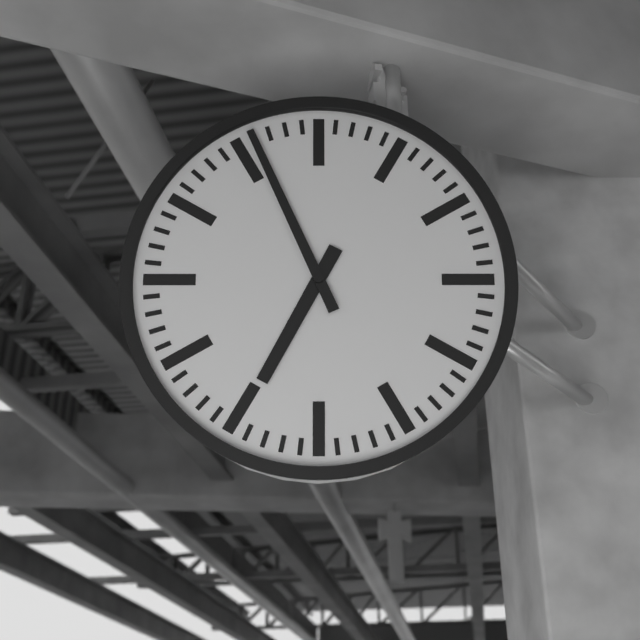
6:56
